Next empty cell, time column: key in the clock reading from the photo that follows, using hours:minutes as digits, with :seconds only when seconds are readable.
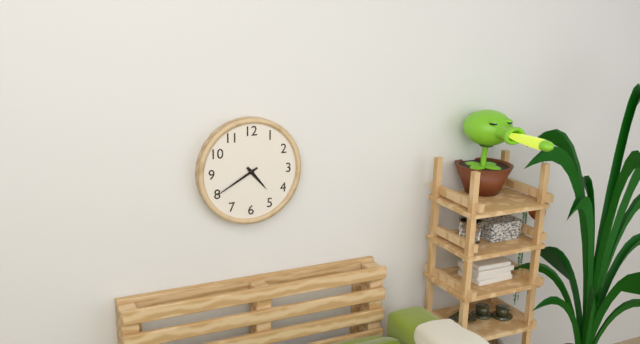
4:40
